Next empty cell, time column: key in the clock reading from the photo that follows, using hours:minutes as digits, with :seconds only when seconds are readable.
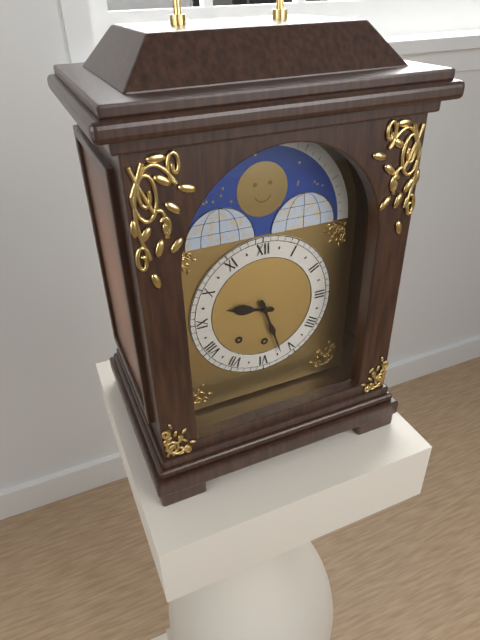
9:27
